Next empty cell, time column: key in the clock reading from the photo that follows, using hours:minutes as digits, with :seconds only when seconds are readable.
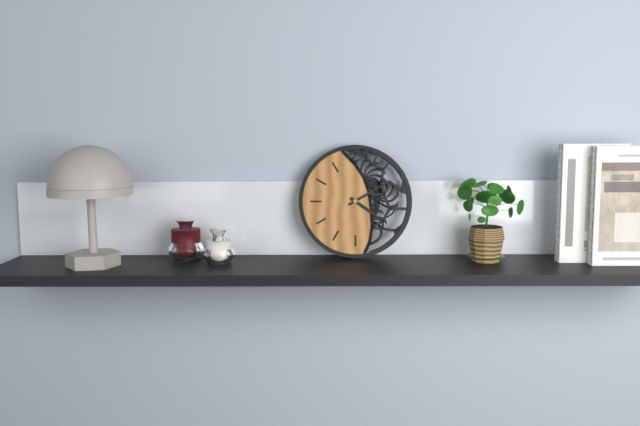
4:10
